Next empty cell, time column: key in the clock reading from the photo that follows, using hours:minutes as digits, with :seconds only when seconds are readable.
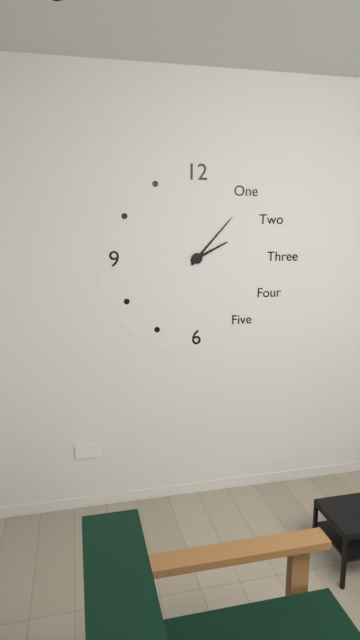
2:07
